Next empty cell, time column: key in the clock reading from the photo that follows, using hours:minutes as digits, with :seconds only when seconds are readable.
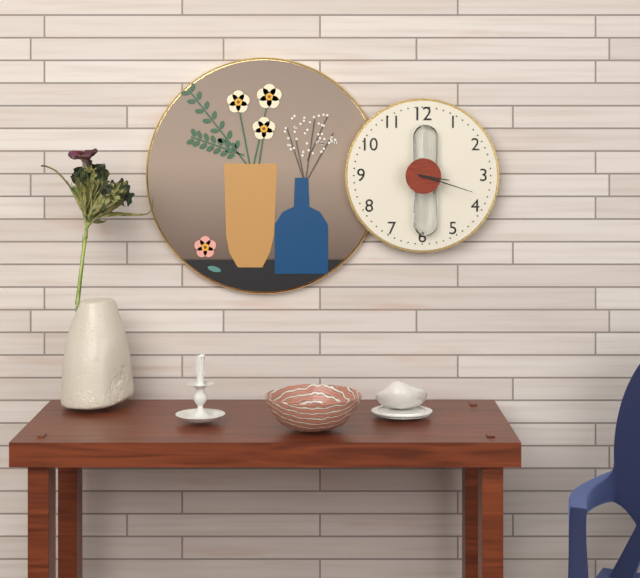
3:18
